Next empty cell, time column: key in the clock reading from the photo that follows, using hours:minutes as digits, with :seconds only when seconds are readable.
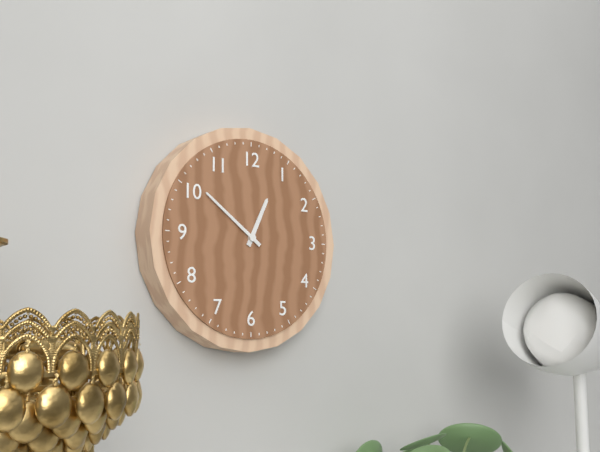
12:51
